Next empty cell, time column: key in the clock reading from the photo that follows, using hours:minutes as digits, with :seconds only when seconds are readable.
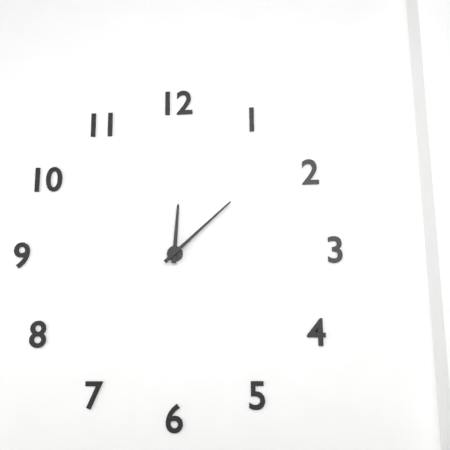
12:08
